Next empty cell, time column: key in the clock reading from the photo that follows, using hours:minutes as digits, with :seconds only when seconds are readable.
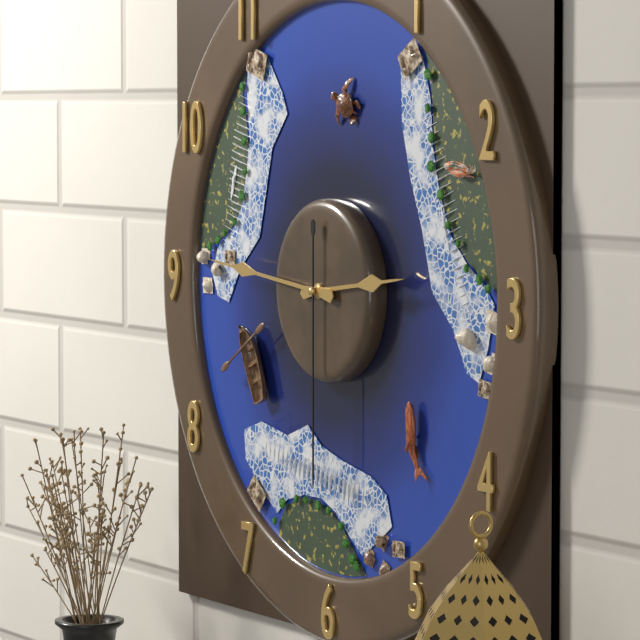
2:46:30
